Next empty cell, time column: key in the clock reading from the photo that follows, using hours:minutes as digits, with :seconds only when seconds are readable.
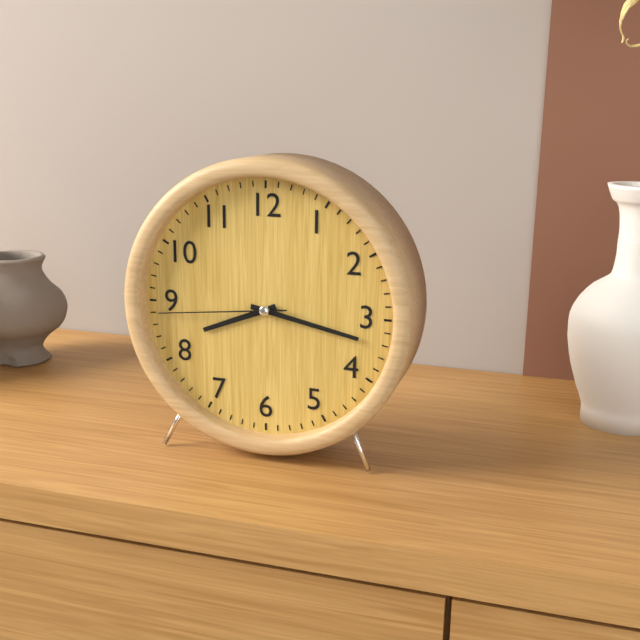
8:17:44
